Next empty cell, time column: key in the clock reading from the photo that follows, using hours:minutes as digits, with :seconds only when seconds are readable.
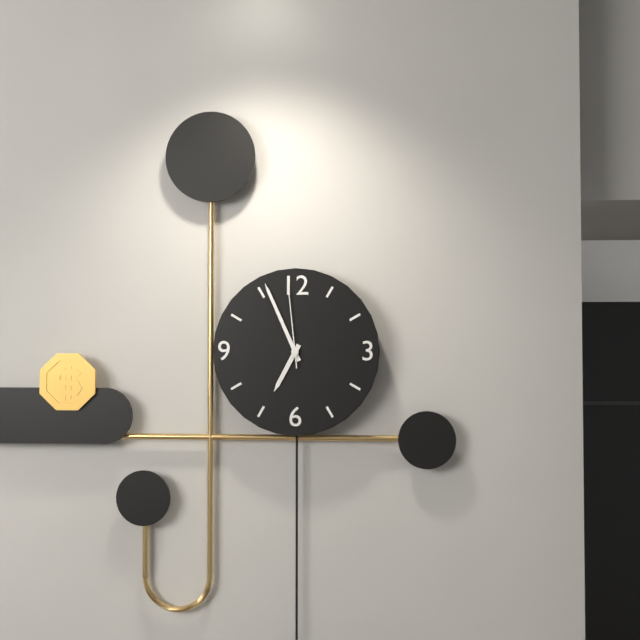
6:56:59
